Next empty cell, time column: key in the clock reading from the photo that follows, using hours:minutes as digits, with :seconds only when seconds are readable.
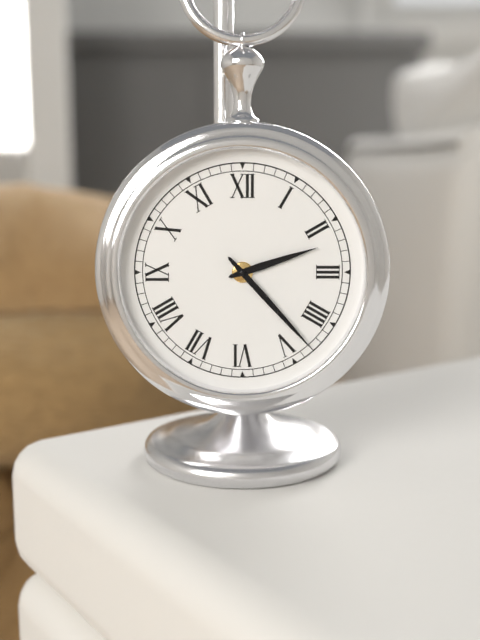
2:23
